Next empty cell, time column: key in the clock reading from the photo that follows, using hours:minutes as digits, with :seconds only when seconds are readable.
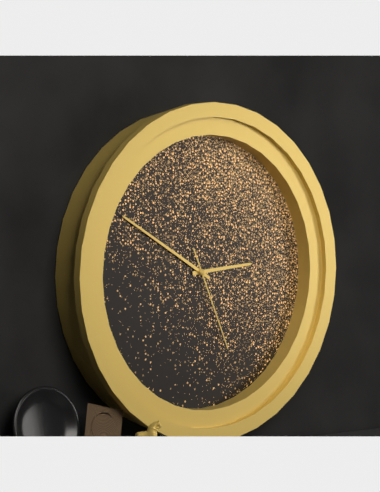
2:50:26
